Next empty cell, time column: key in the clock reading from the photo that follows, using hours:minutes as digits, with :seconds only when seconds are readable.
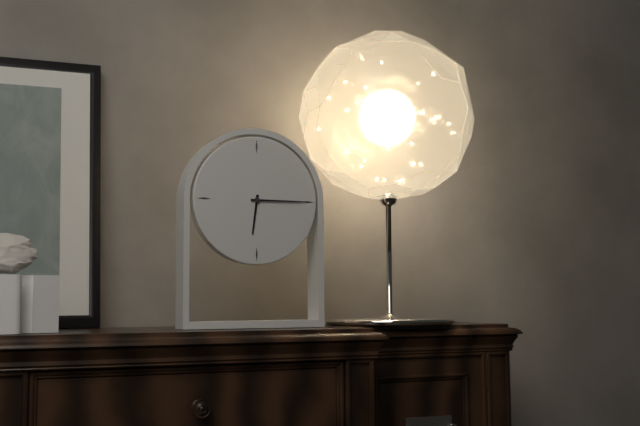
6:15
